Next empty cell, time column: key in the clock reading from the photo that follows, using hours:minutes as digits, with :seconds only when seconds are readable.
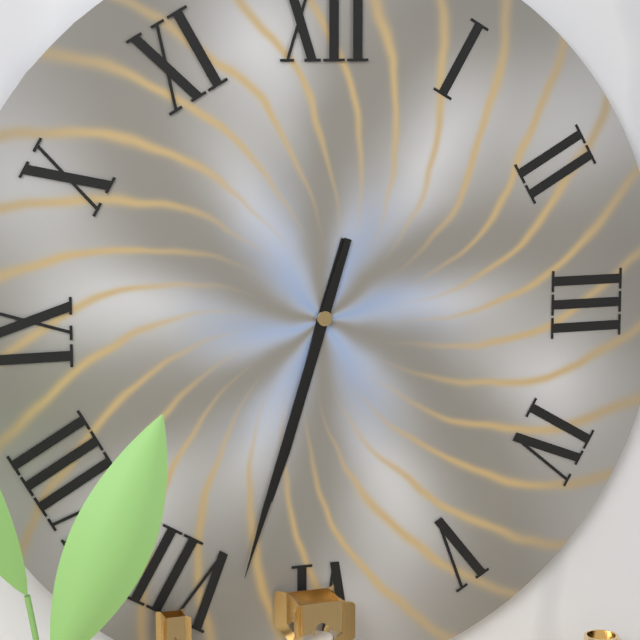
6:33
